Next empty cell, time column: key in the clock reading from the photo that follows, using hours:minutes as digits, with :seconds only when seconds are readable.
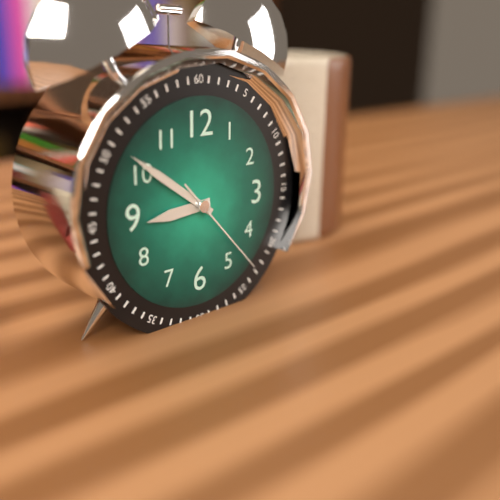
8:51:23
